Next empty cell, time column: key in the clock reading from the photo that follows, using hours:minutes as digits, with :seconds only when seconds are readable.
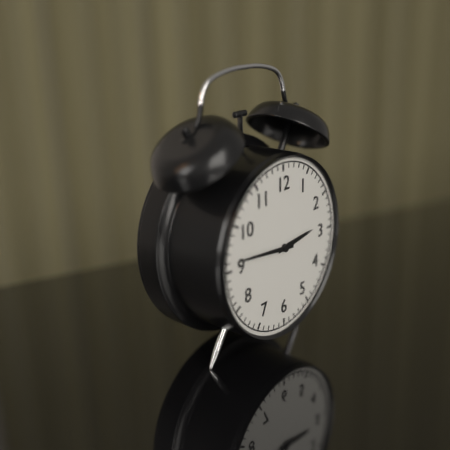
2:46
